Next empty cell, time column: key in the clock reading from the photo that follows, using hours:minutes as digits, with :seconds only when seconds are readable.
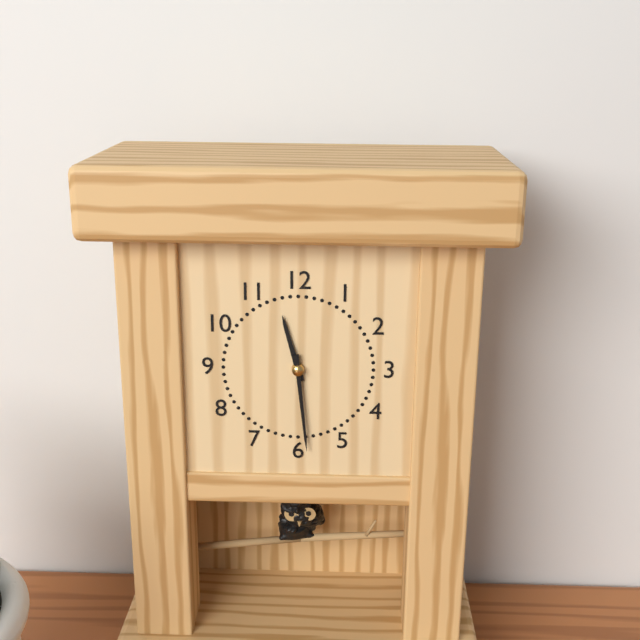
11:29
